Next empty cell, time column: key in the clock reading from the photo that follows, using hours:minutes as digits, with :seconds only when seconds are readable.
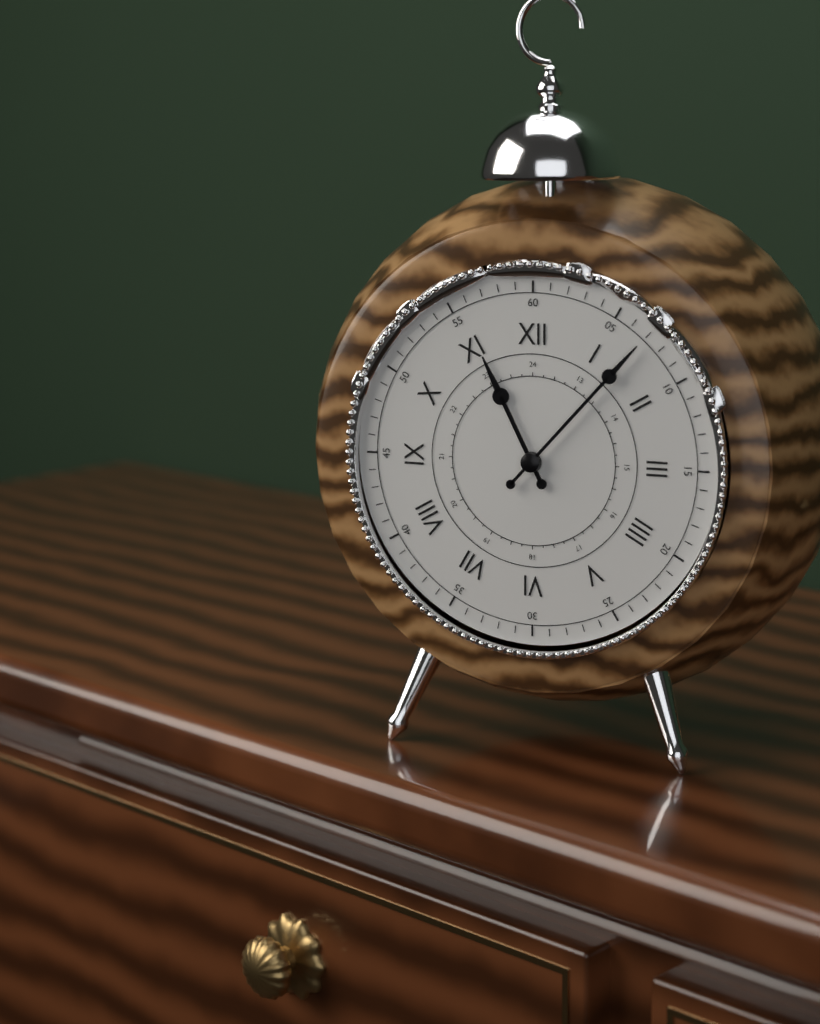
11:07
